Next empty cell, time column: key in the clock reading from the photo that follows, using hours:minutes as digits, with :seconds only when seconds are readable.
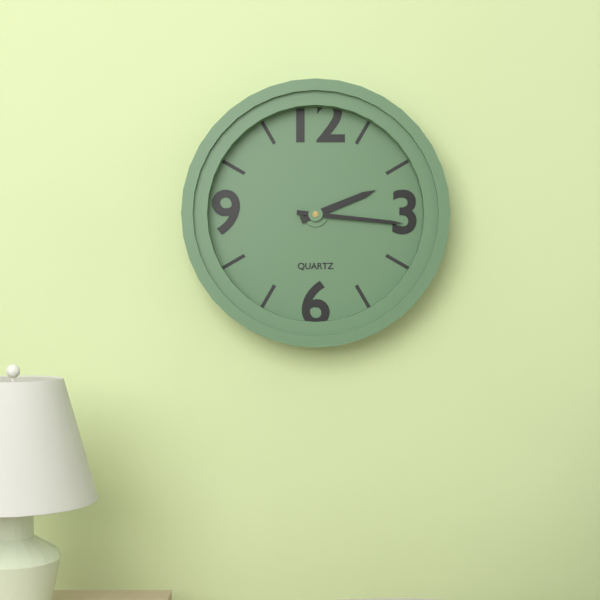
2:16
